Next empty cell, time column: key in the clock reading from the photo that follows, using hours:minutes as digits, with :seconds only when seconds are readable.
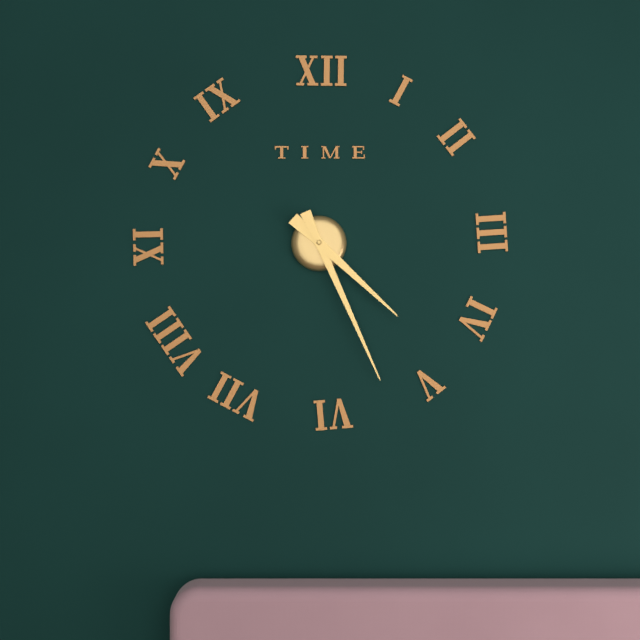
4:26
